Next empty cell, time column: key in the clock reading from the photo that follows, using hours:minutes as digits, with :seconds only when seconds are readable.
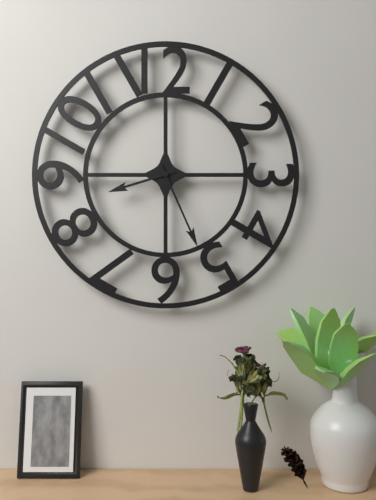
8:26
